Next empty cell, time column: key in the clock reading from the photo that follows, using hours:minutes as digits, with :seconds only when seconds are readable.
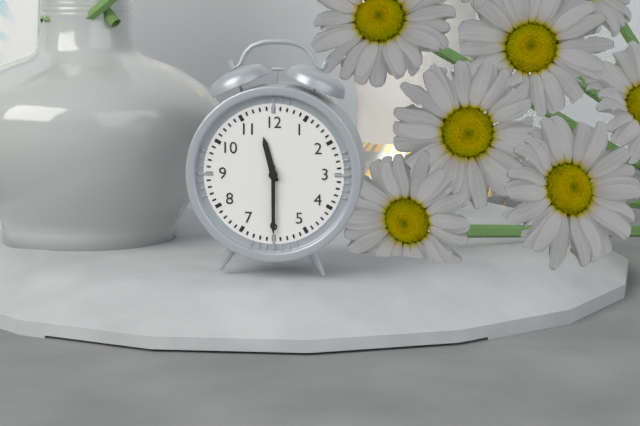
11:30
